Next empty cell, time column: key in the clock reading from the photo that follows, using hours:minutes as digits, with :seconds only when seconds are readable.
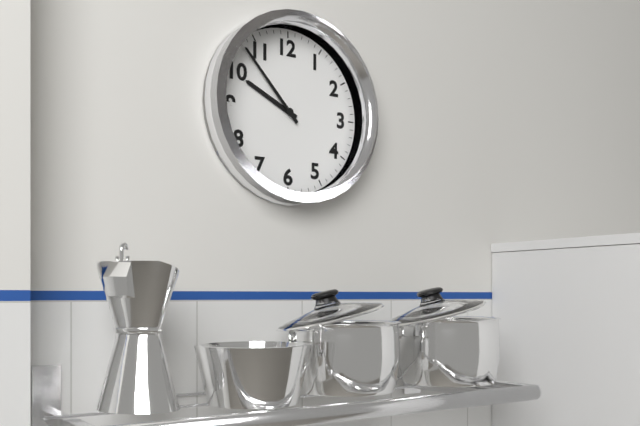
9:53
